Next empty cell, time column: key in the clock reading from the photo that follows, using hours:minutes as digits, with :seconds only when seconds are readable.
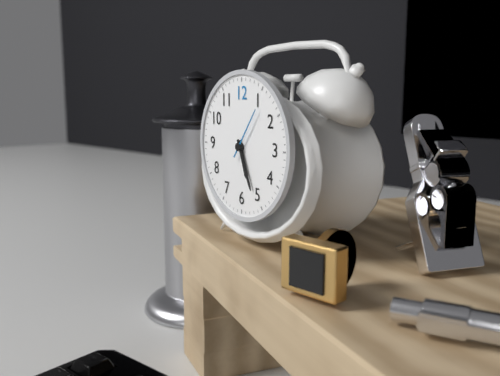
5:26:06
